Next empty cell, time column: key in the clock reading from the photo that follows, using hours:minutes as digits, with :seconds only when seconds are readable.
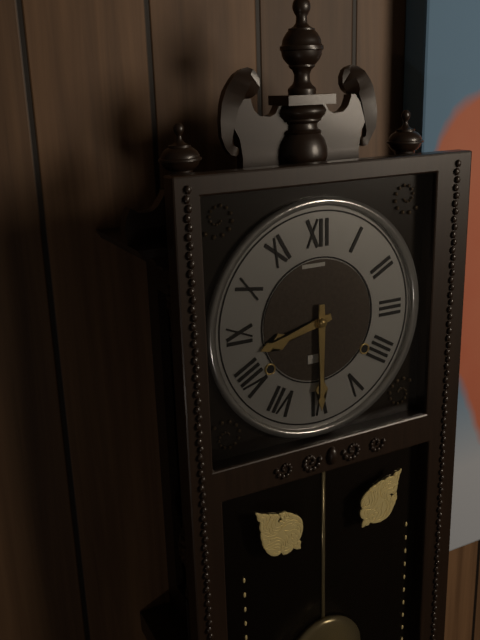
8:30
